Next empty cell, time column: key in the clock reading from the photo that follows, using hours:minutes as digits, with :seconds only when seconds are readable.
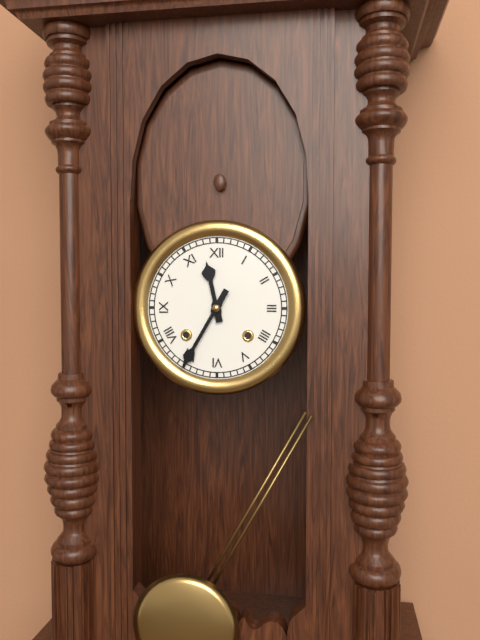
11:35
